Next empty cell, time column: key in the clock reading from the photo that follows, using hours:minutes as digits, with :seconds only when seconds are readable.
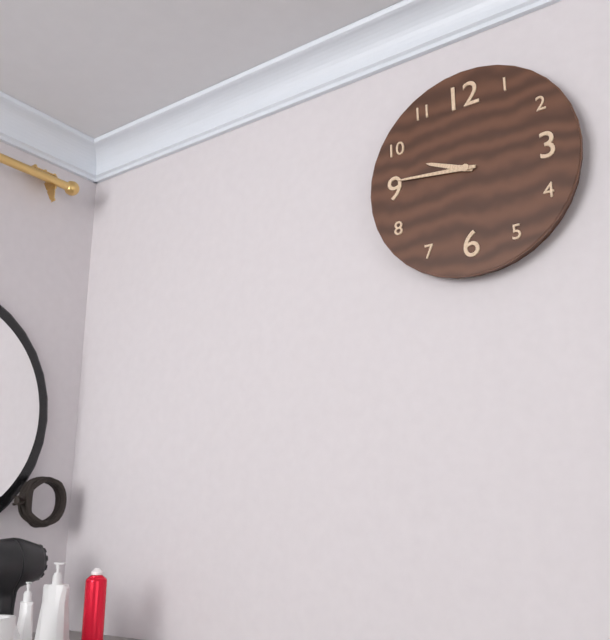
9:46
